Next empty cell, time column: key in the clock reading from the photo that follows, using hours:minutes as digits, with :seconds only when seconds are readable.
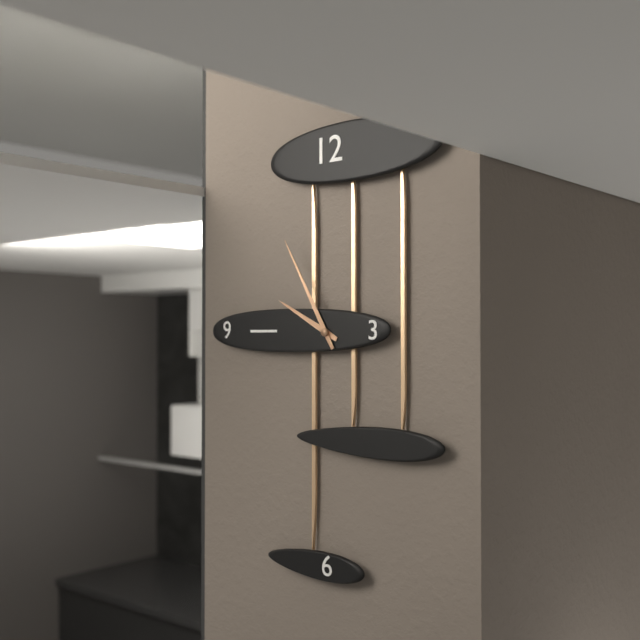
9:55
